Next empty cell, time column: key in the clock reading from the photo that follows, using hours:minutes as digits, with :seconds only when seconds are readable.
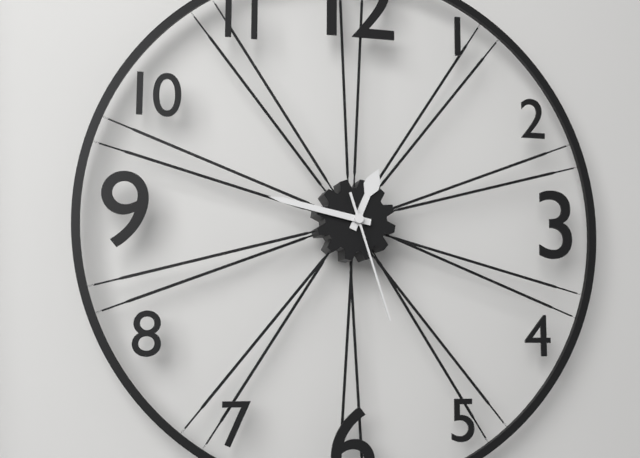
12:47:27
